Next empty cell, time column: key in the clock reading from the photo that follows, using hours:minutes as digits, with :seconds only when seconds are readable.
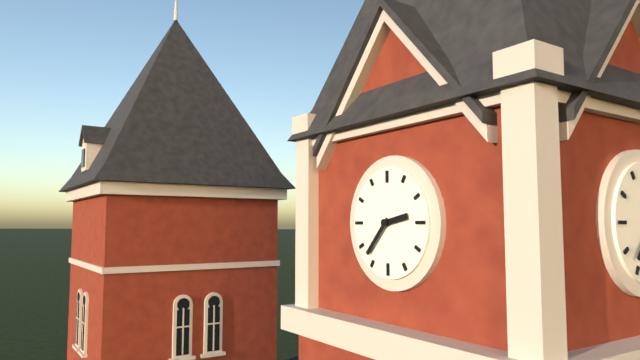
2:37
